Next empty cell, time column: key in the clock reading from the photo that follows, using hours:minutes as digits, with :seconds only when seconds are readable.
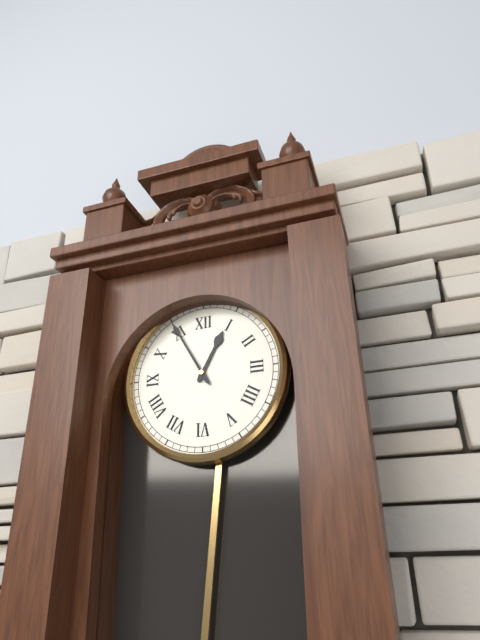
12:55
